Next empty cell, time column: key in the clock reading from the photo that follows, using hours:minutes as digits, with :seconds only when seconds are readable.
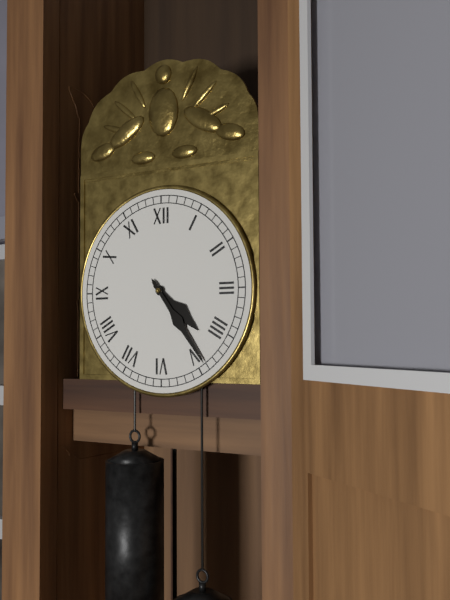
4:24
